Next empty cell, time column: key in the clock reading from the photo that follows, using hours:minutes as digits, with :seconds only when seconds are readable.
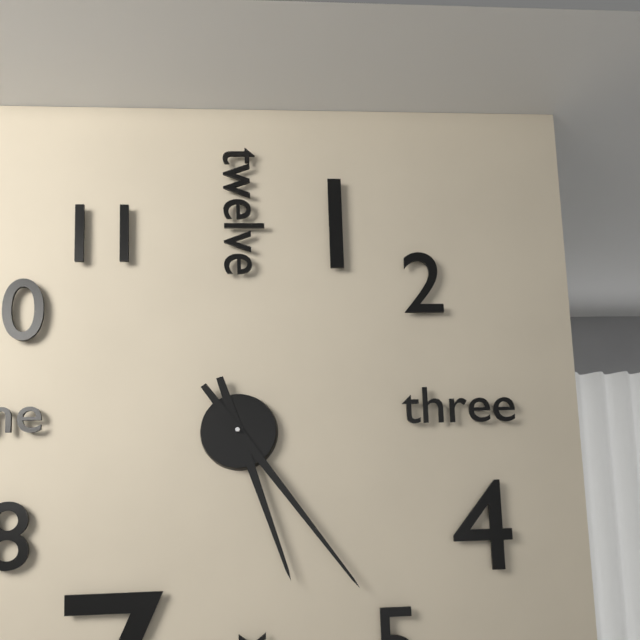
5:24
